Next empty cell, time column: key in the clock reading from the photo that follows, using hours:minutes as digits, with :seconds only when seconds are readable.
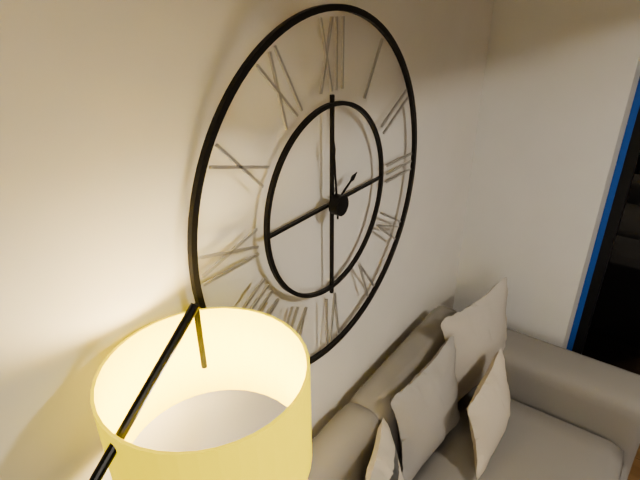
1:59
